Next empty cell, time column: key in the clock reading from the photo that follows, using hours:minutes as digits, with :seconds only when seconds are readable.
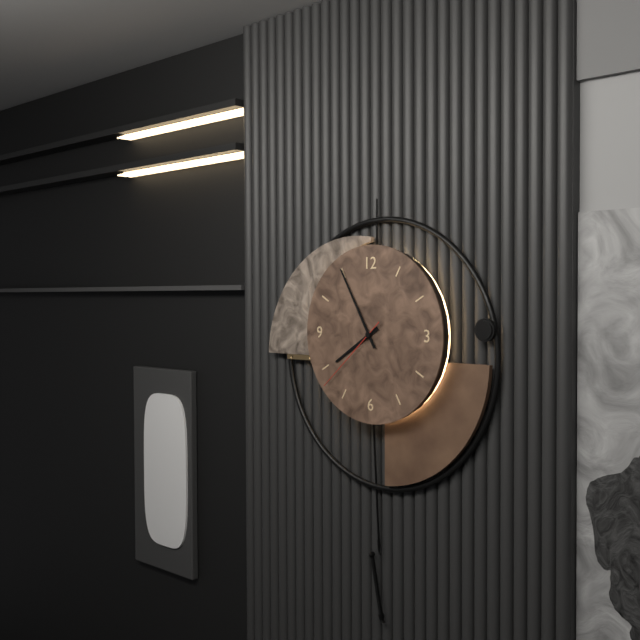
7:55:38
